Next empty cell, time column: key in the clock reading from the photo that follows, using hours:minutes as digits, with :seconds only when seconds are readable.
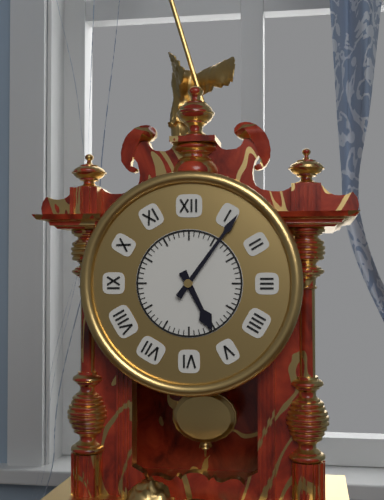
5:06
